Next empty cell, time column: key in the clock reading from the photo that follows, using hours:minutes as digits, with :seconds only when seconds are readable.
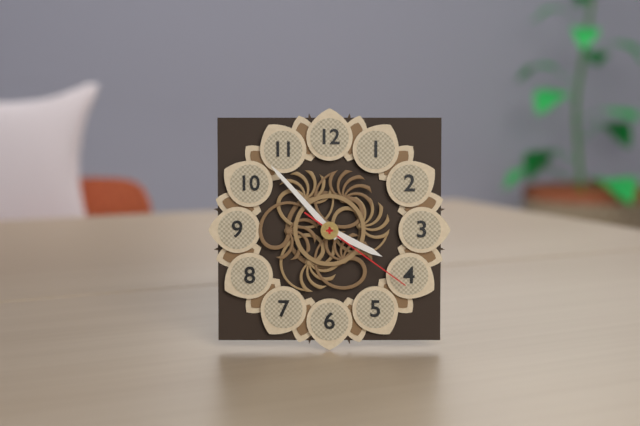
3:53:21
